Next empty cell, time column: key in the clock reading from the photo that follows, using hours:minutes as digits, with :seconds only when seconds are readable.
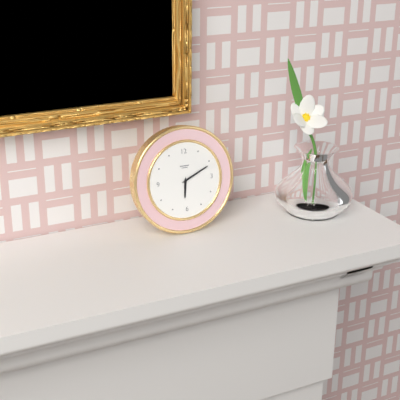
6:11
